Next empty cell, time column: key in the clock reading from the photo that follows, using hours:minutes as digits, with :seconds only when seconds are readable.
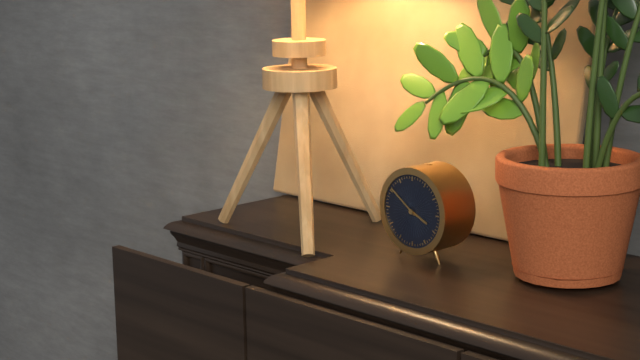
3:51
